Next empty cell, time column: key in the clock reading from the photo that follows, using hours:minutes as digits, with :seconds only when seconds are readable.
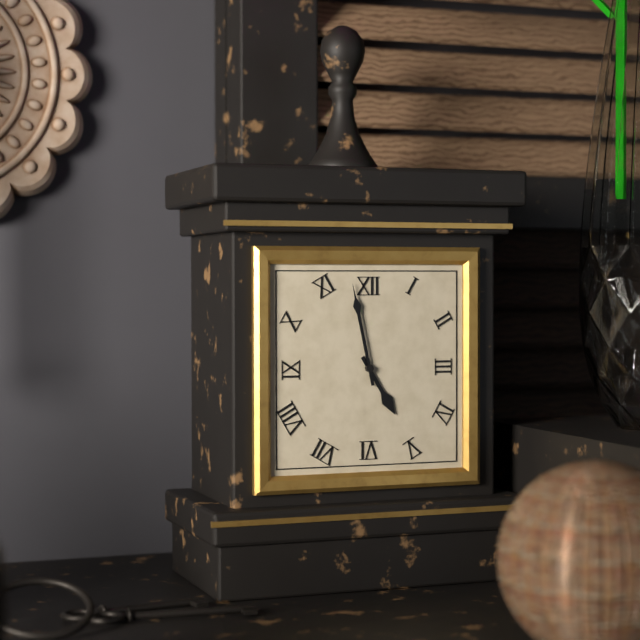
4:58
